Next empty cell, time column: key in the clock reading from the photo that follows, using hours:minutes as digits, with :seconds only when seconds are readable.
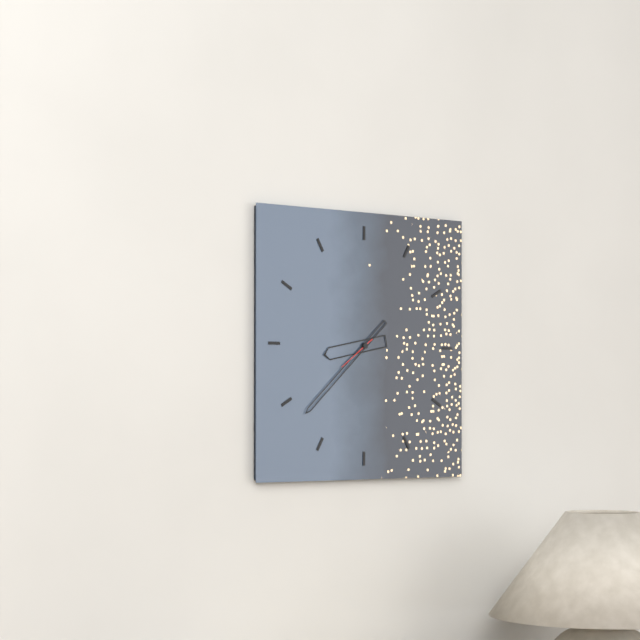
8:38
